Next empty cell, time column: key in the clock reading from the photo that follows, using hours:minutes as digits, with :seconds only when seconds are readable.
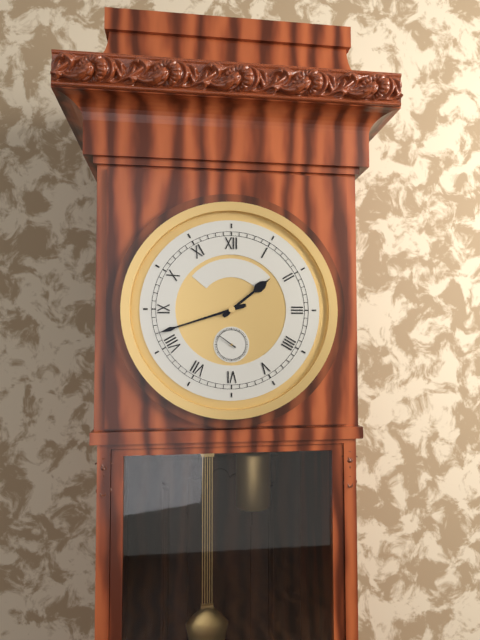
1:42
